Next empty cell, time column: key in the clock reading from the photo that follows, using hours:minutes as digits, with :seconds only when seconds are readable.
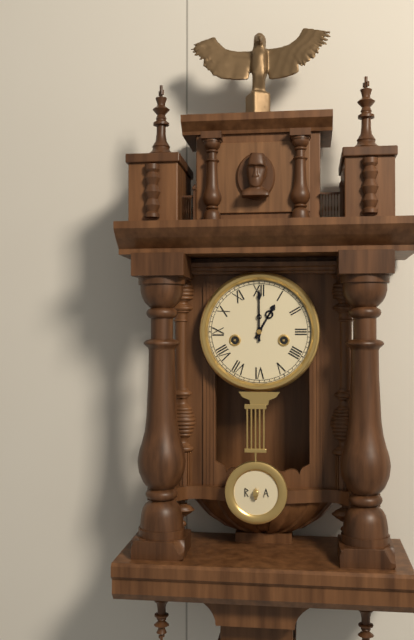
1:00
